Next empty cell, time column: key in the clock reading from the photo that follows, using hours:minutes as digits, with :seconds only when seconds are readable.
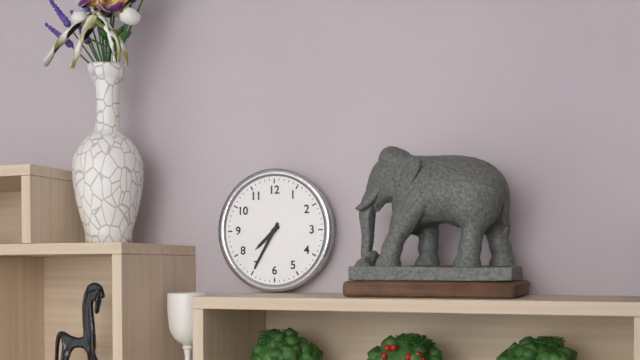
7:35
